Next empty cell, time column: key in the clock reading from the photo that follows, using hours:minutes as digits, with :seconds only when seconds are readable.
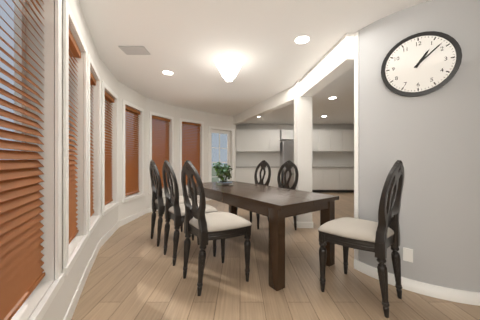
1:08
